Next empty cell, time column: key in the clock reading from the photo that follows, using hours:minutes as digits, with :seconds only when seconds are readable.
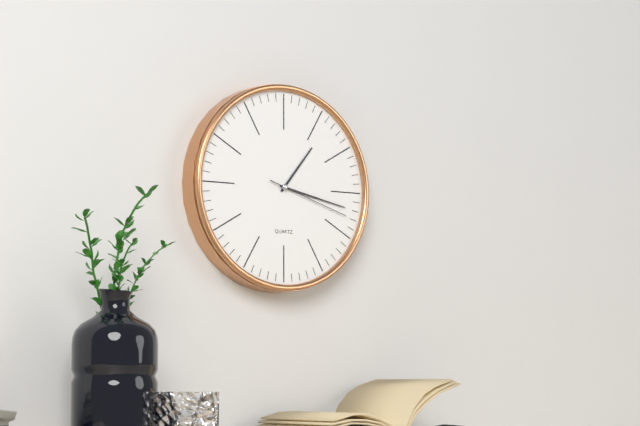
1:17:18
